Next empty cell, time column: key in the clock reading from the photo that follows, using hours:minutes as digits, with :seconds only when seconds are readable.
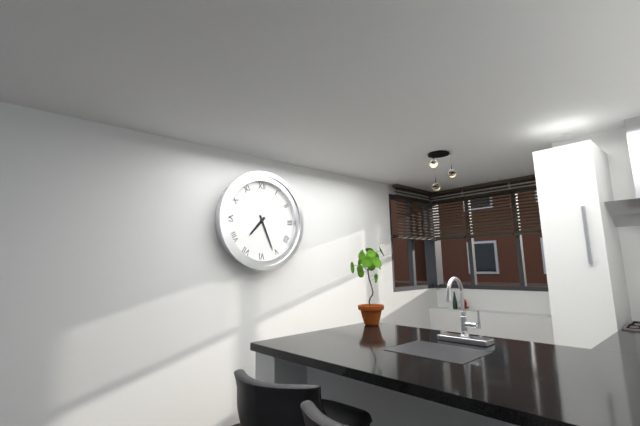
7:26
